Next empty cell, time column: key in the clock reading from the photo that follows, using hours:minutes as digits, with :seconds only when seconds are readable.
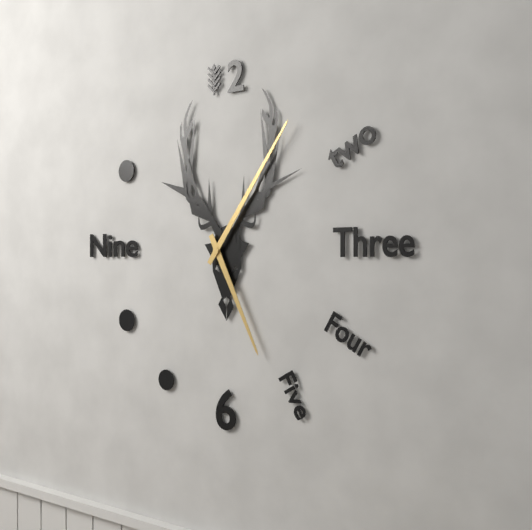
5:06
